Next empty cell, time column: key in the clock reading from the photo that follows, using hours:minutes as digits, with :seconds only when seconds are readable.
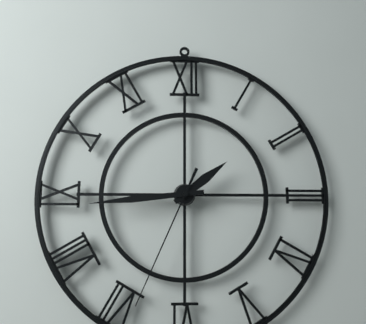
1:44:34
